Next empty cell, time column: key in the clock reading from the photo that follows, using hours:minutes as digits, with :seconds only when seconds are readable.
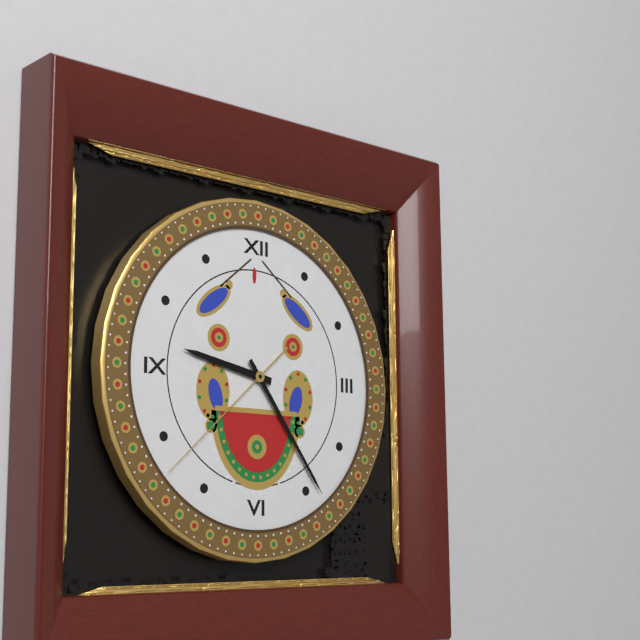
9:24:38
